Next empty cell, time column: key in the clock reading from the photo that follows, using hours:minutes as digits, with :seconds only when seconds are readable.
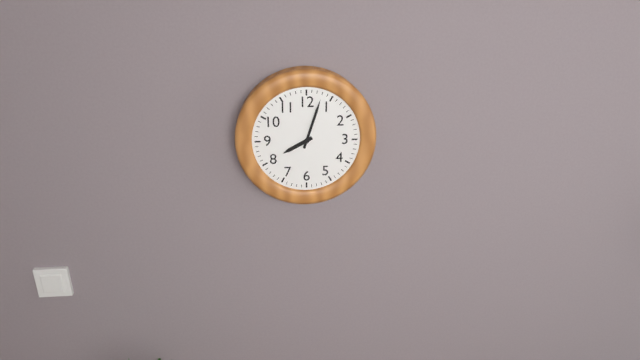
8:03
